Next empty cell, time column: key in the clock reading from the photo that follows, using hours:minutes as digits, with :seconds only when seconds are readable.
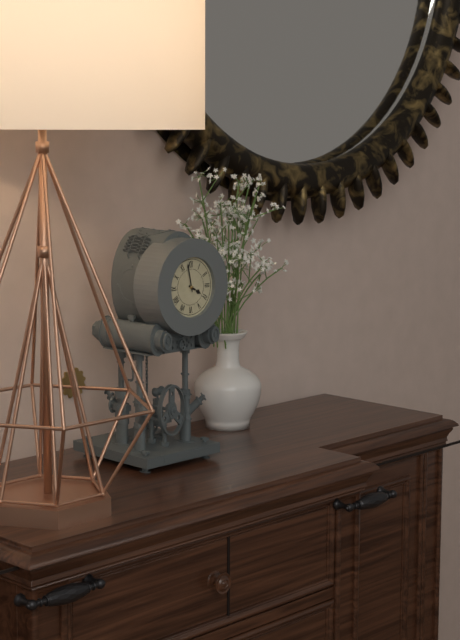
3:58
